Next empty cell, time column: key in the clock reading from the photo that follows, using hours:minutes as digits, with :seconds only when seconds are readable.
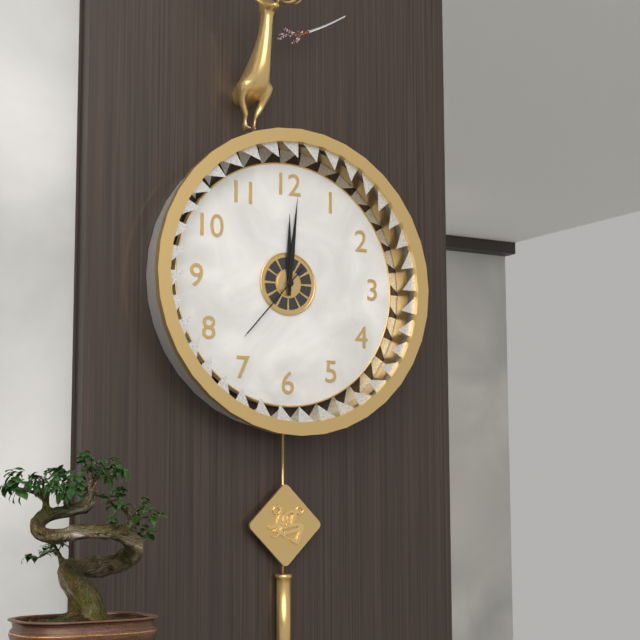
12:01:37
